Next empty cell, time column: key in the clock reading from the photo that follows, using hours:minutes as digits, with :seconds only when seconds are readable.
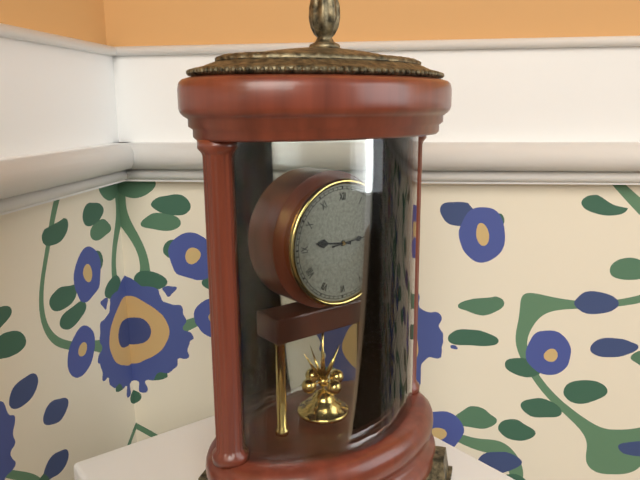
9:14
